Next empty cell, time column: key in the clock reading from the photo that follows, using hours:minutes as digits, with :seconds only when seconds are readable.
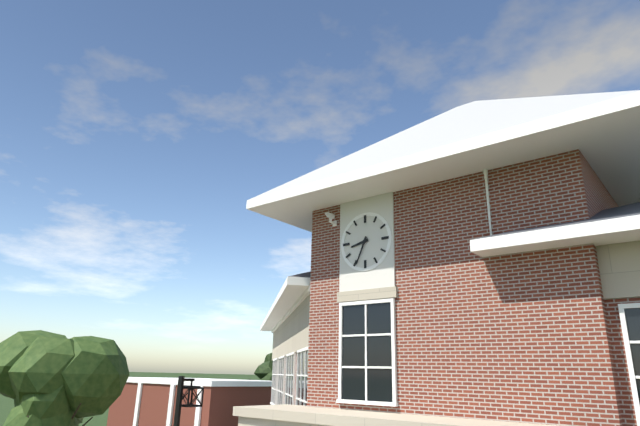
8:34
